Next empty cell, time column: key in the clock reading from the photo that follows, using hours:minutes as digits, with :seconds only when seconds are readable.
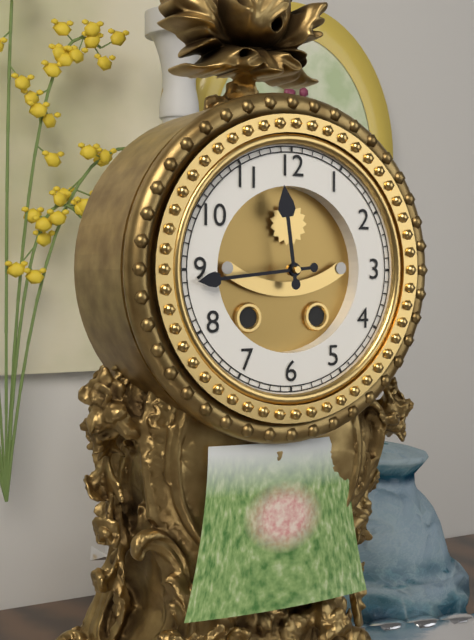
11:44
